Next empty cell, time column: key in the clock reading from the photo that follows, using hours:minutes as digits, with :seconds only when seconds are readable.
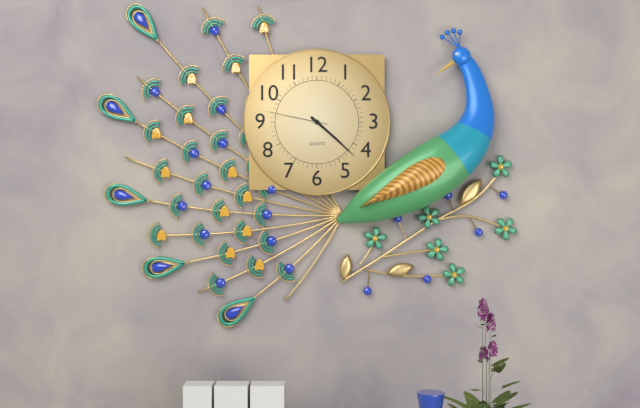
4:22:47
